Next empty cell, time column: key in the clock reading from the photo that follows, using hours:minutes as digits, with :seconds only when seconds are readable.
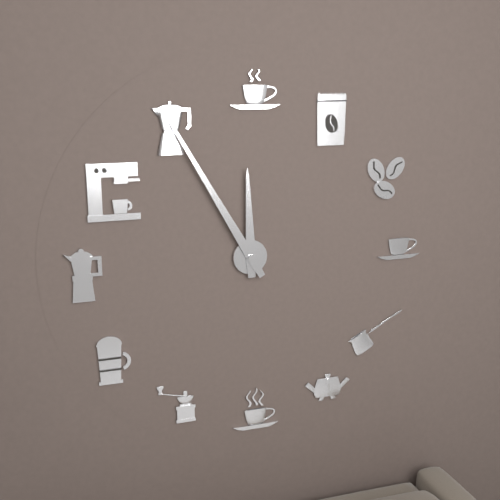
11:55
